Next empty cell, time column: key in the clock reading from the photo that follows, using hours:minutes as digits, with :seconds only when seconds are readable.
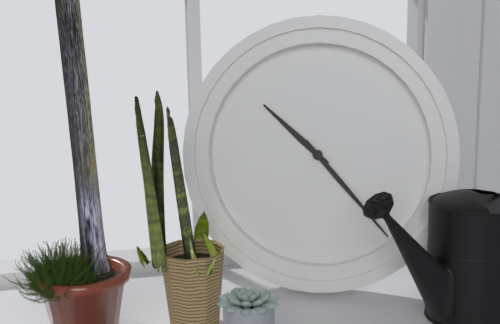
10:23
